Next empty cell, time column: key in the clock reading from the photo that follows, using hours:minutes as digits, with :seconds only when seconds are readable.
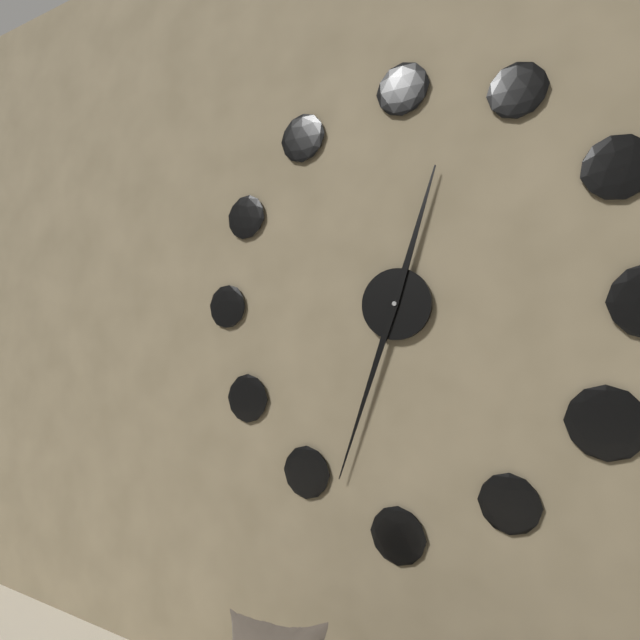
12:33
